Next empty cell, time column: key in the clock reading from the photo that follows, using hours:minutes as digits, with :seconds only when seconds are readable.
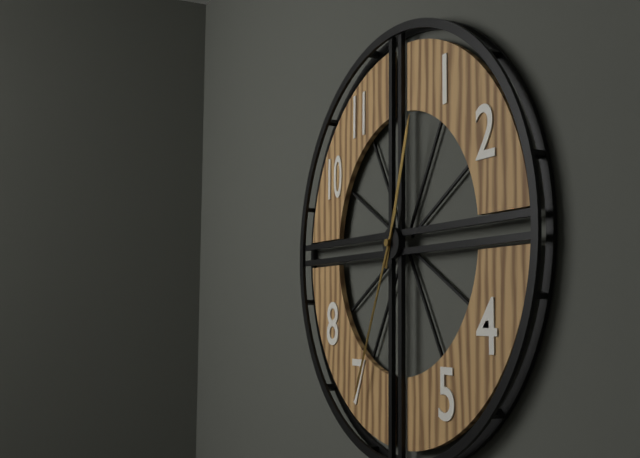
12:34
